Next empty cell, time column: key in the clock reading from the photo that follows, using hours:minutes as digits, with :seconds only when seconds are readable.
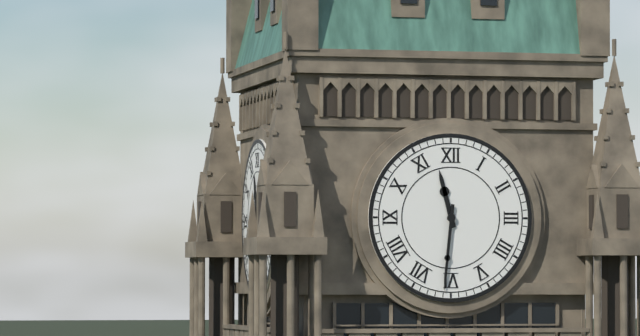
11:31
